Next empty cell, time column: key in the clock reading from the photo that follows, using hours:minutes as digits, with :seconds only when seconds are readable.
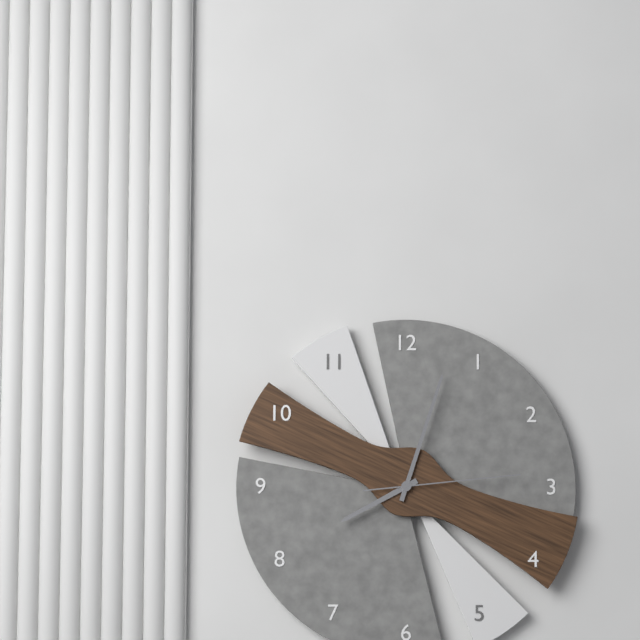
8:03:14
